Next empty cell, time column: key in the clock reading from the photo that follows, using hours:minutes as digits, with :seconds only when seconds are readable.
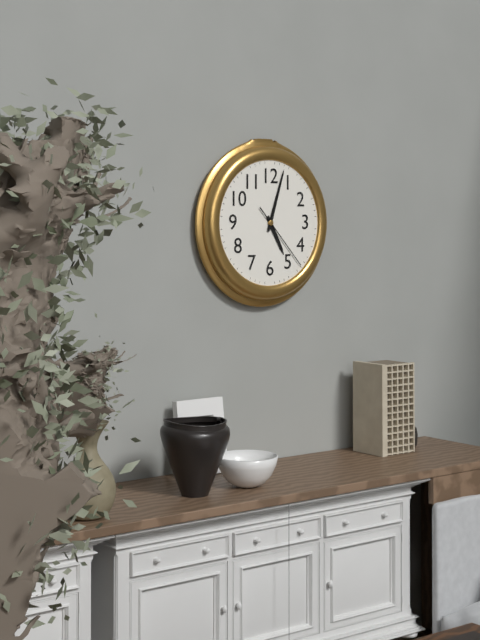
5:03:23
